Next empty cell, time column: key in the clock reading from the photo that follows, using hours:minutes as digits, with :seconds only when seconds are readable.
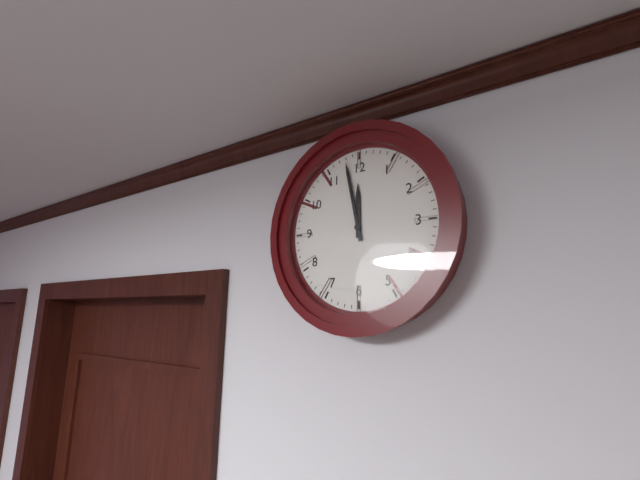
11:58
